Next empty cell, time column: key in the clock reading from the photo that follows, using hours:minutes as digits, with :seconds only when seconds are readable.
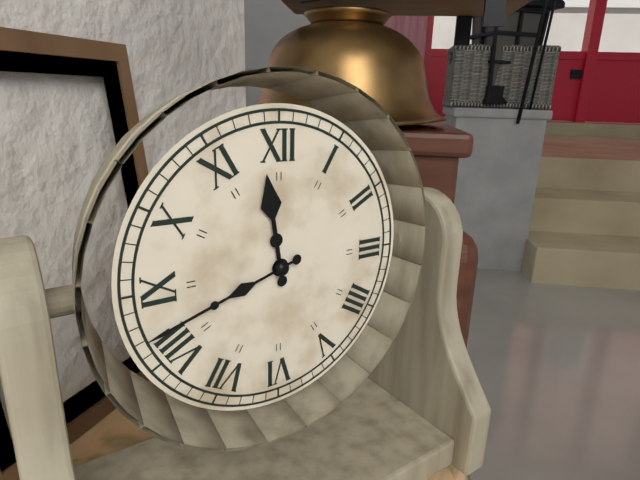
11:42
